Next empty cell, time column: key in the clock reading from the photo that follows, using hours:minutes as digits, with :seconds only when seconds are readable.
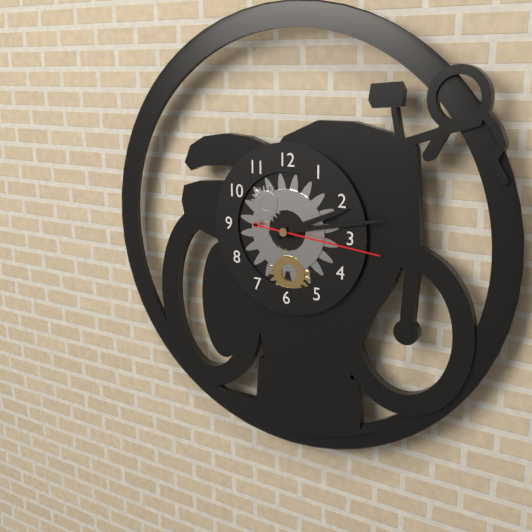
2:13:16
